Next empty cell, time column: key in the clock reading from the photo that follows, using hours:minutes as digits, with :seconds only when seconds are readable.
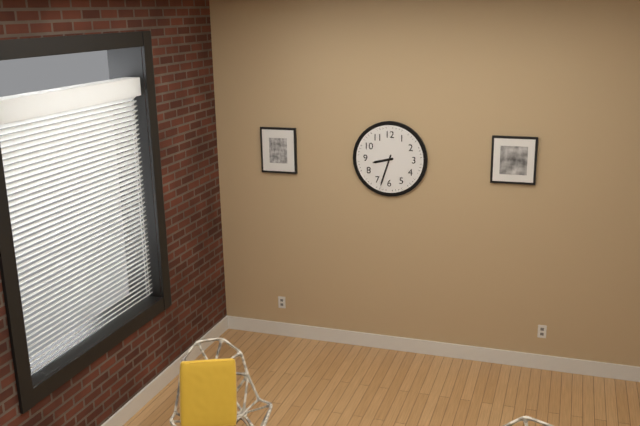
8:33
